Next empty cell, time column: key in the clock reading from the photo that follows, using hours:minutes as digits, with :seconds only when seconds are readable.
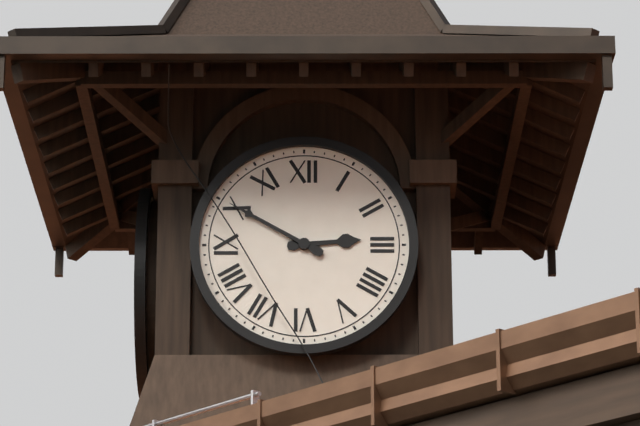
2:50
